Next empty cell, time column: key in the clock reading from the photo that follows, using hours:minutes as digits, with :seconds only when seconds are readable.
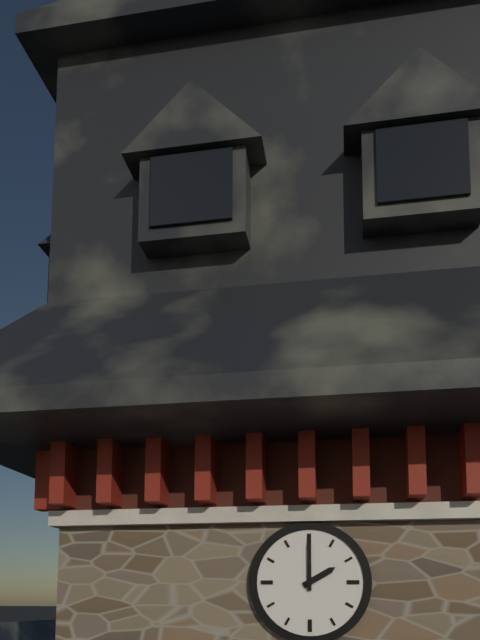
2:00
